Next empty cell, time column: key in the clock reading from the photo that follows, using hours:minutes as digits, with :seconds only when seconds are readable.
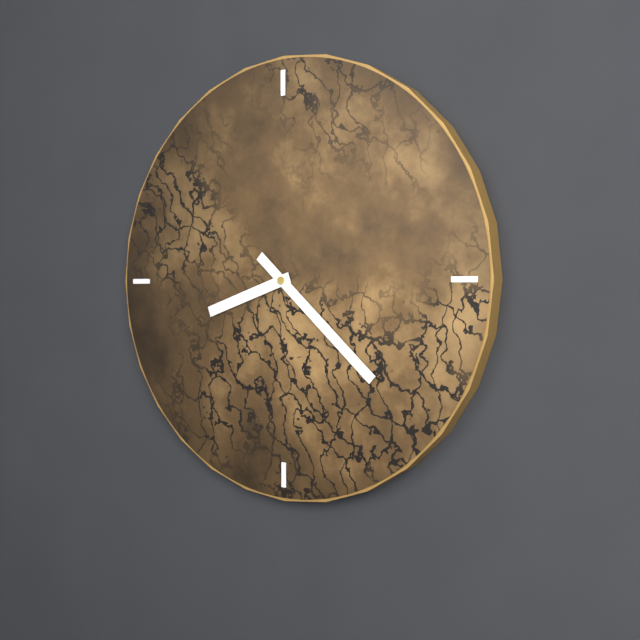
8:22
